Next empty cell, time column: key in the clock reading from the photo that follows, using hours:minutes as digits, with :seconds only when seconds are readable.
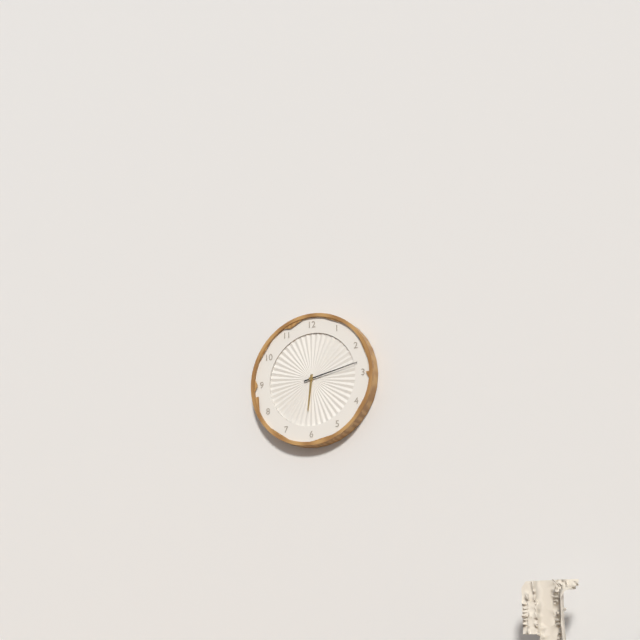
6:13
